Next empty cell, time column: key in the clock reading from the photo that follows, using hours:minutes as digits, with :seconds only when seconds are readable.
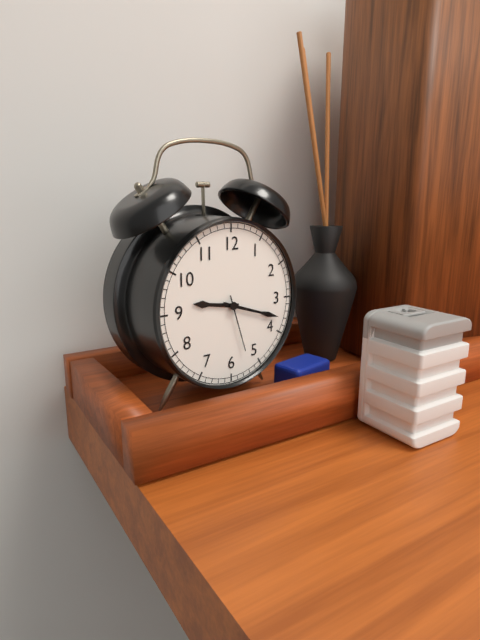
9:18:27
